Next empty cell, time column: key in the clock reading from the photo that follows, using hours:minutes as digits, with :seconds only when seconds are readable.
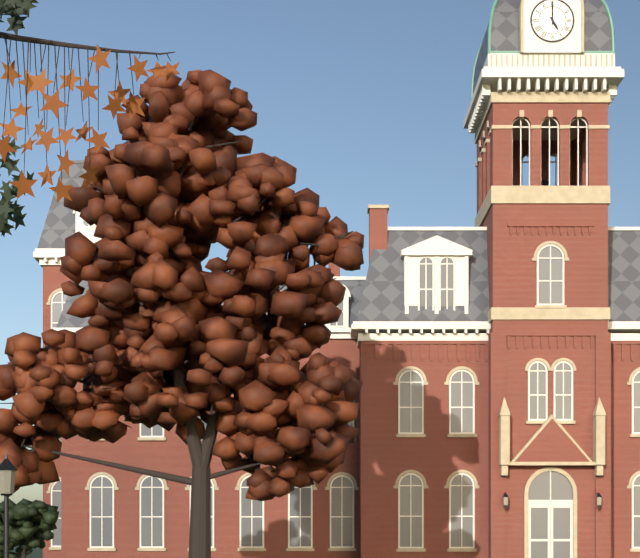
5:00
